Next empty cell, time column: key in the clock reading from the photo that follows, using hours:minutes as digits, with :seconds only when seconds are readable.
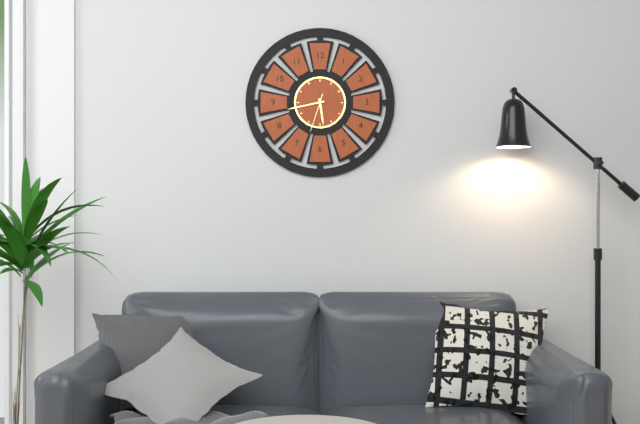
5:43
